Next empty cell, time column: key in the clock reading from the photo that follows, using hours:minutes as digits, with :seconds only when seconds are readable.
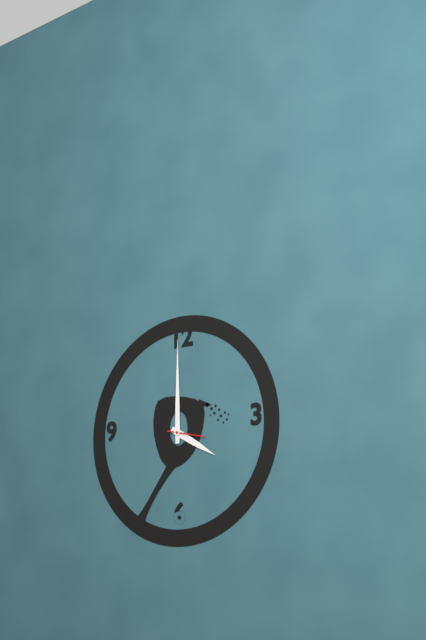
4:00
